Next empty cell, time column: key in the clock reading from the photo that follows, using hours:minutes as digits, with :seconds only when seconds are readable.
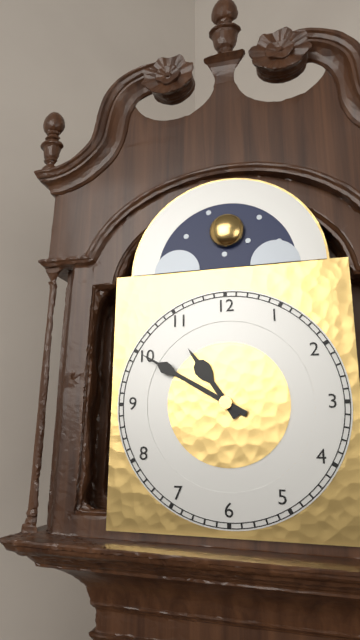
10:50
